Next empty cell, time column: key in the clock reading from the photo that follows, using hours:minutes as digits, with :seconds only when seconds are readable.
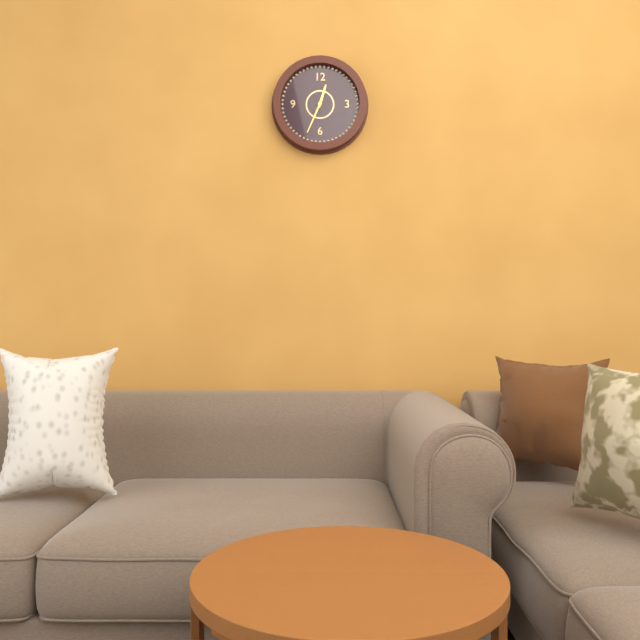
12:34
